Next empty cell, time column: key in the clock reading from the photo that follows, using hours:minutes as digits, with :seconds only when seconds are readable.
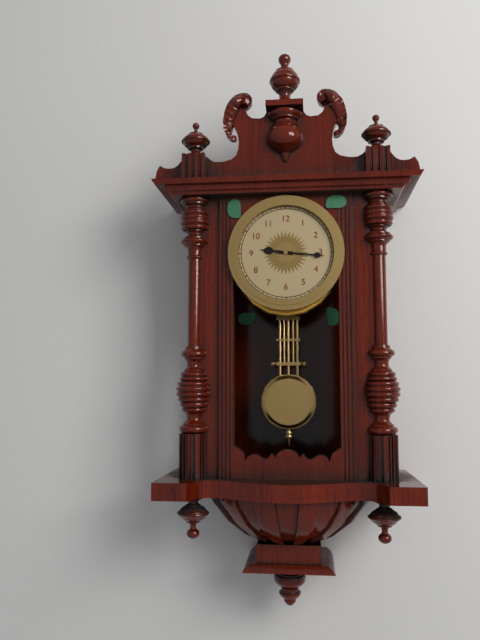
9:16
